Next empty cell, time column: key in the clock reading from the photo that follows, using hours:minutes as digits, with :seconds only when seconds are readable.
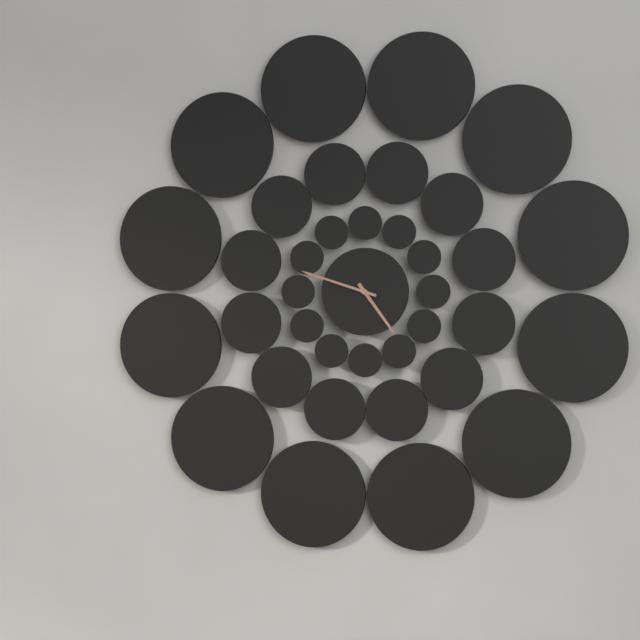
4:48
